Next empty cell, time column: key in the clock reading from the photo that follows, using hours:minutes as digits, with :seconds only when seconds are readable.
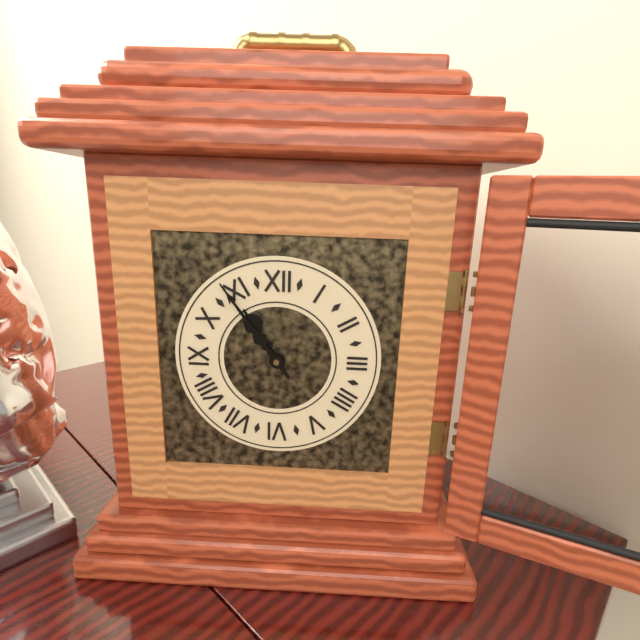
10:54
